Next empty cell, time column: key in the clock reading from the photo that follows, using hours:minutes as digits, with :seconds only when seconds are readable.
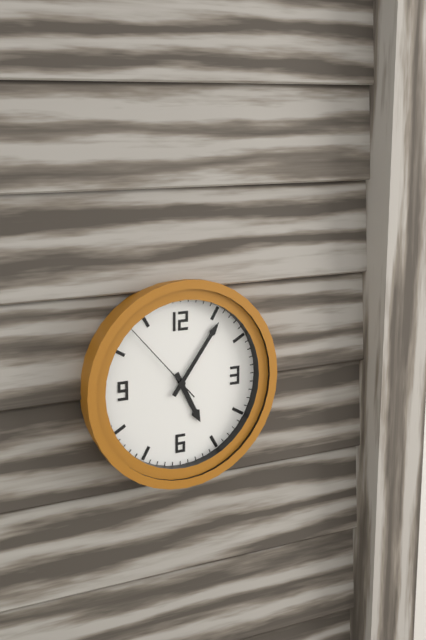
5:06:53
